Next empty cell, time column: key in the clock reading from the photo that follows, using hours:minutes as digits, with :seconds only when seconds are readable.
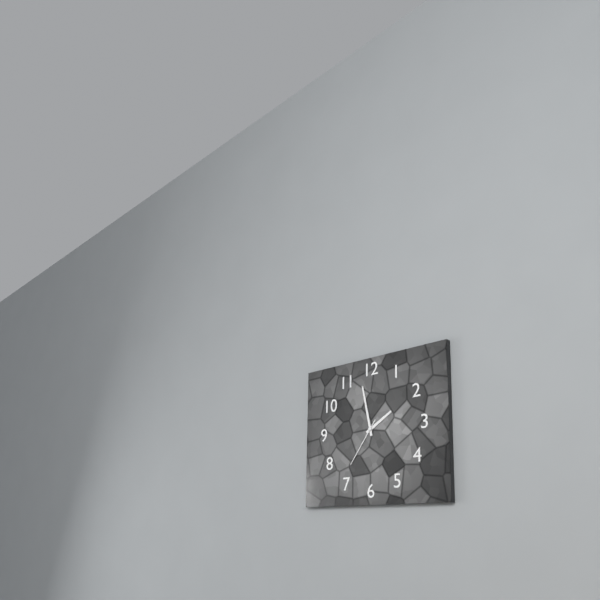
1:58:36
